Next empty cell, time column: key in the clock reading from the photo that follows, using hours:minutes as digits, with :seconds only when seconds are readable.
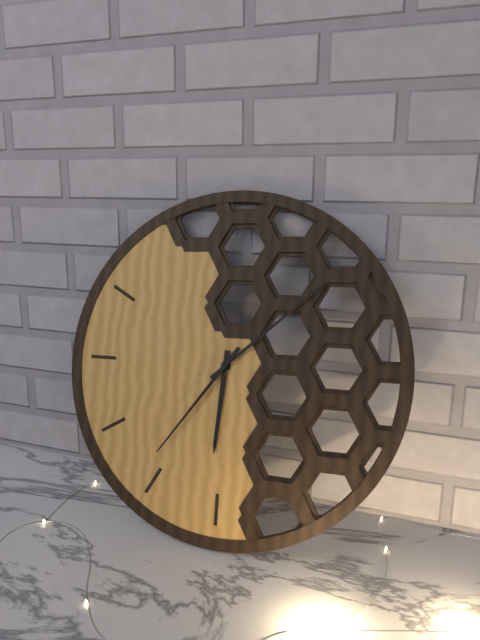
6:08:36
